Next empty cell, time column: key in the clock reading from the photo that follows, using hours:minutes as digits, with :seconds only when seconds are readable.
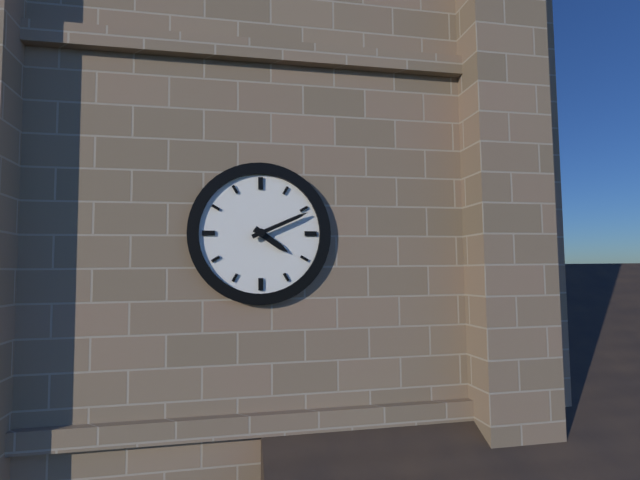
4:11
